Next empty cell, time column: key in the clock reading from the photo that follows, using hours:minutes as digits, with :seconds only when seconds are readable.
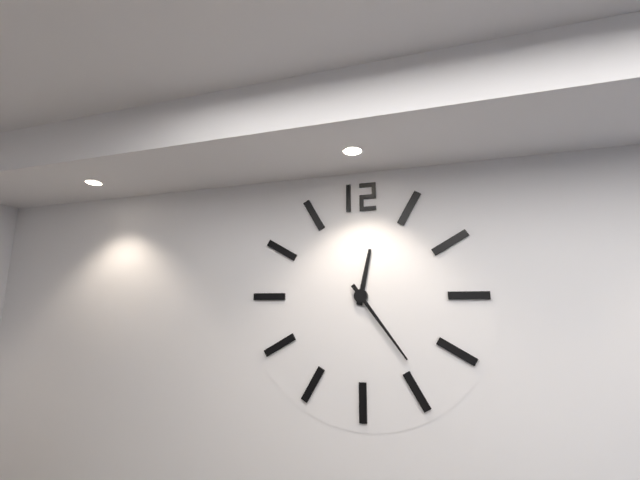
12:24
